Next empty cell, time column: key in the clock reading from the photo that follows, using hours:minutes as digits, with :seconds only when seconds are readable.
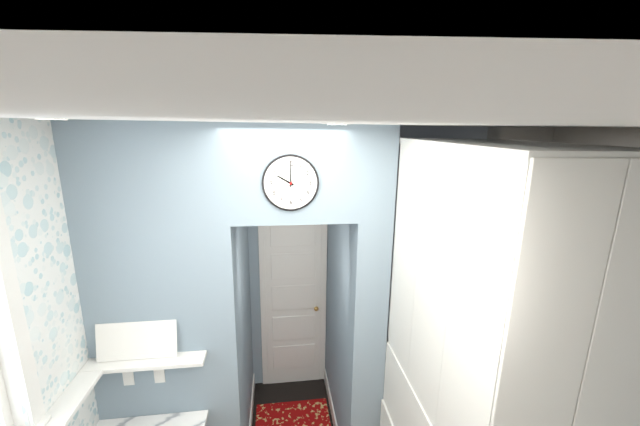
10:00
